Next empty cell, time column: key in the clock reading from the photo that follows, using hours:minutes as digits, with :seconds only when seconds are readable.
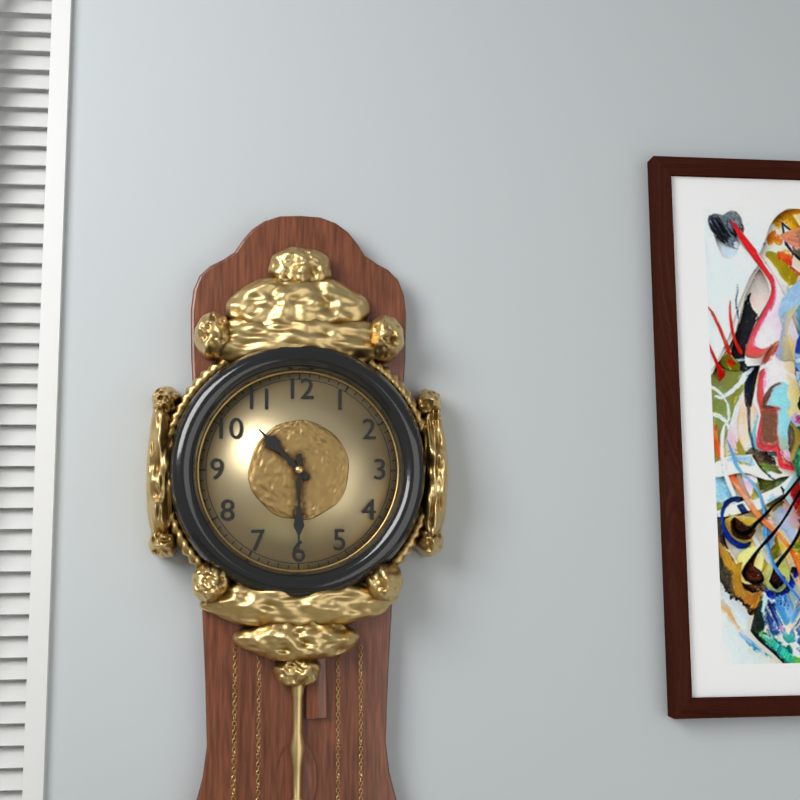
10:30
